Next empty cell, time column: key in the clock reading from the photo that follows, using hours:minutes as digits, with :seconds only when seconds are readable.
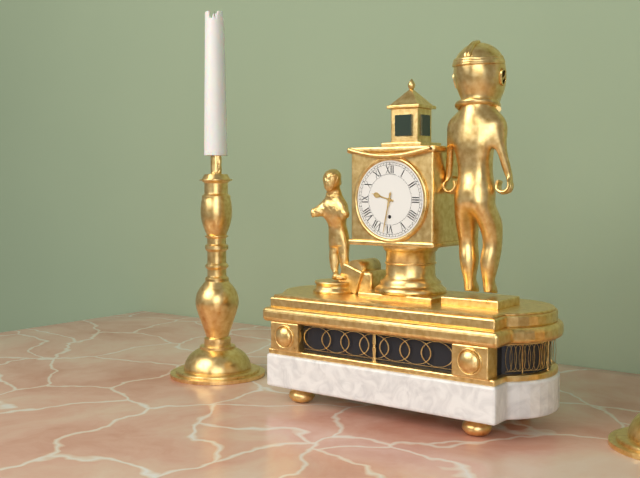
9:32
